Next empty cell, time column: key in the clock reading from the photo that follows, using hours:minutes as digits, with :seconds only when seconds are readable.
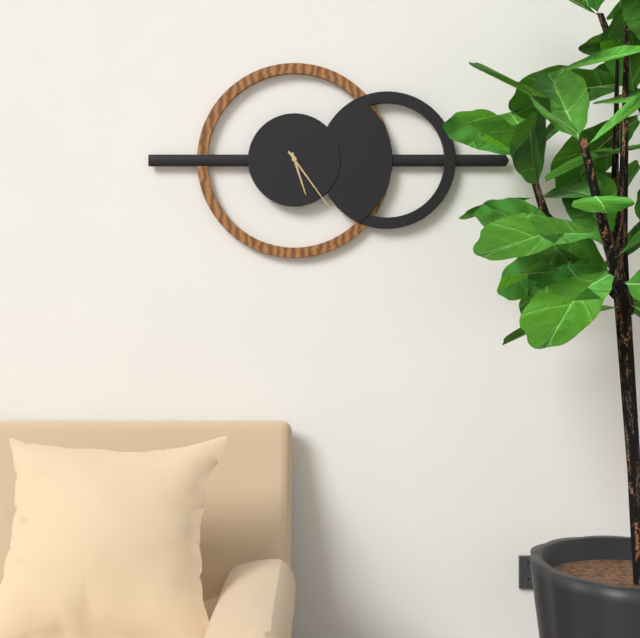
5:24
